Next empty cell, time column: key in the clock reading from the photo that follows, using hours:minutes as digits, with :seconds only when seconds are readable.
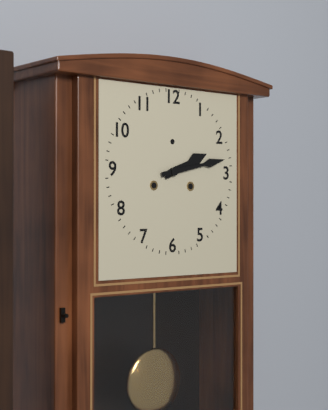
2:13
